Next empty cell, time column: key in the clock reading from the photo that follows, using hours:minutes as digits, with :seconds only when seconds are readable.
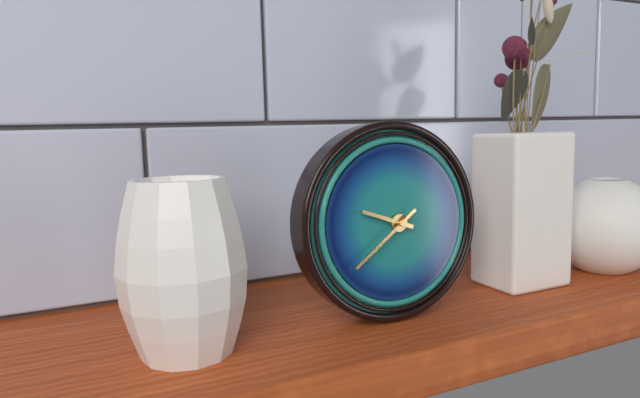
9:39
